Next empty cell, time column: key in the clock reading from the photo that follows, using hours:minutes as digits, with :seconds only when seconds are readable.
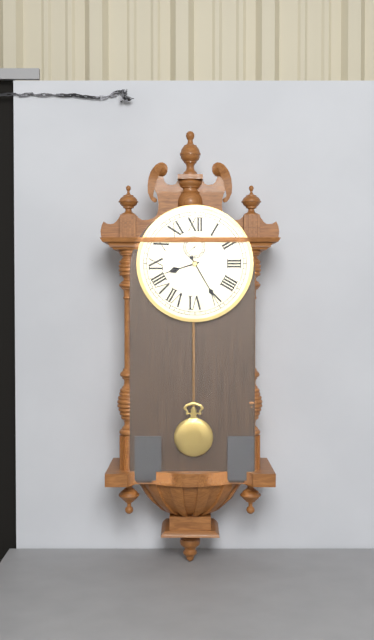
8:25
